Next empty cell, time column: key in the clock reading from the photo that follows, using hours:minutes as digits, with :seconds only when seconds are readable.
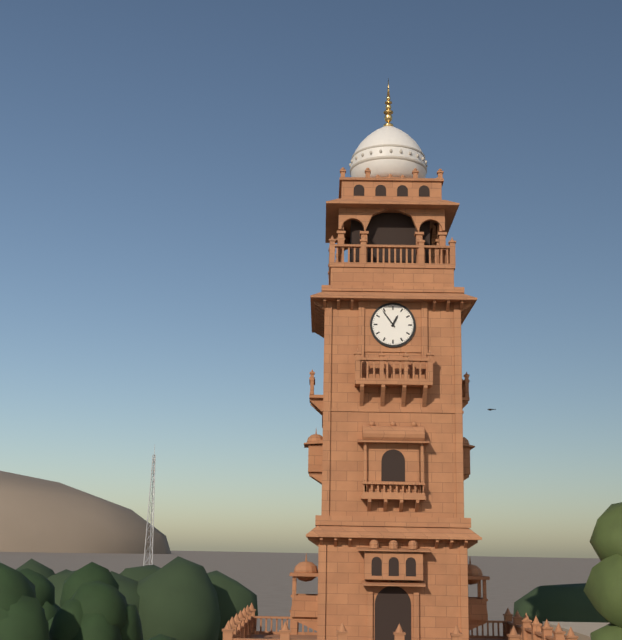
12:54
